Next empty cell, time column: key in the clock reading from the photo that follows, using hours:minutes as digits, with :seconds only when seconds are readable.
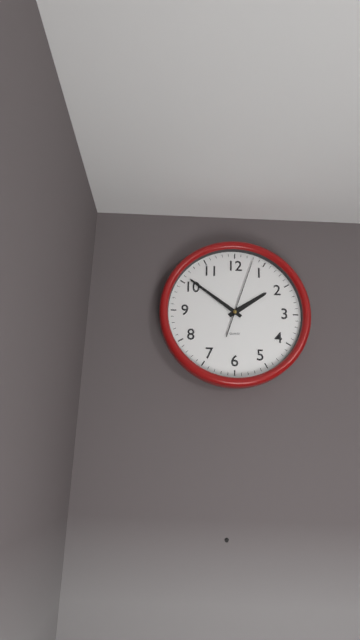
1:51:03
